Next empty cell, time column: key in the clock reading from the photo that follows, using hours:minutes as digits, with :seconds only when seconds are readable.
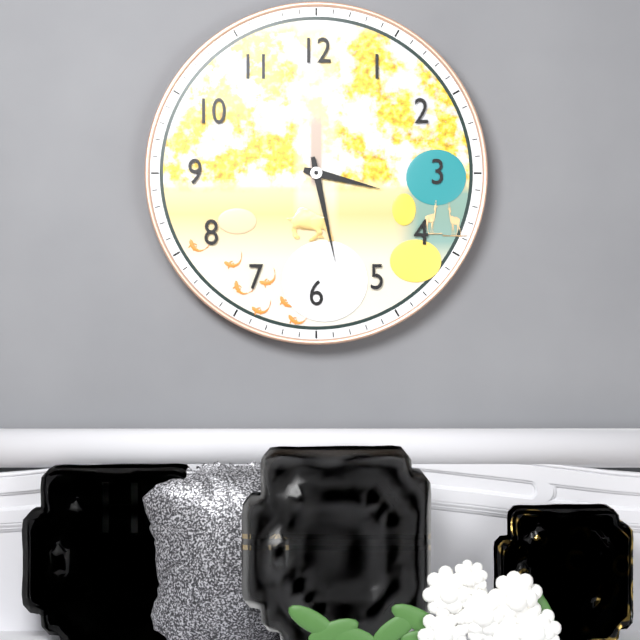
3:28
